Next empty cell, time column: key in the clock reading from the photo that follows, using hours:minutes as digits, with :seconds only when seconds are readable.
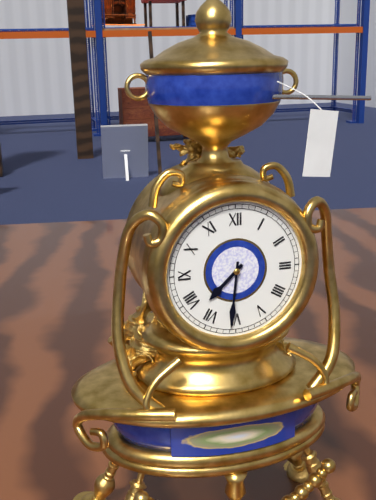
7:31
